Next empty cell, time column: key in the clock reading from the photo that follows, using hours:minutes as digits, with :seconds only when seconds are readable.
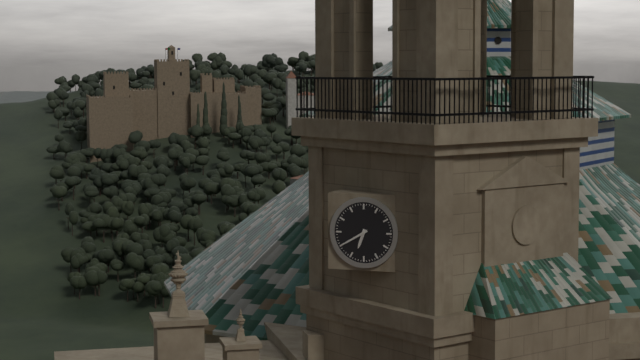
6:40
